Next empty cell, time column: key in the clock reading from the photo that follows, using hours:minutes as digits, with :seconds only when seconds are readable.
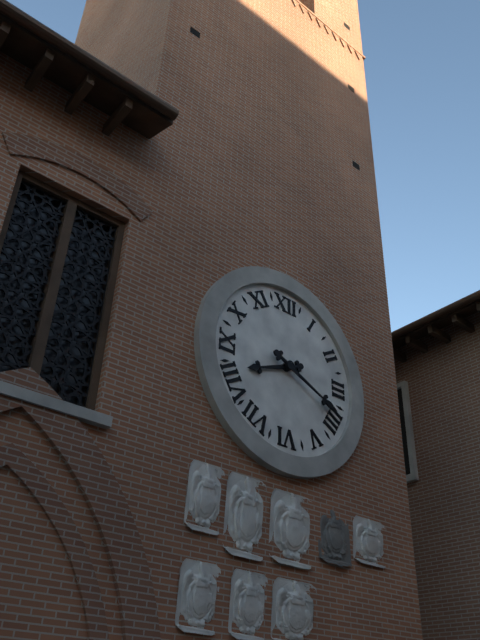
8:19
